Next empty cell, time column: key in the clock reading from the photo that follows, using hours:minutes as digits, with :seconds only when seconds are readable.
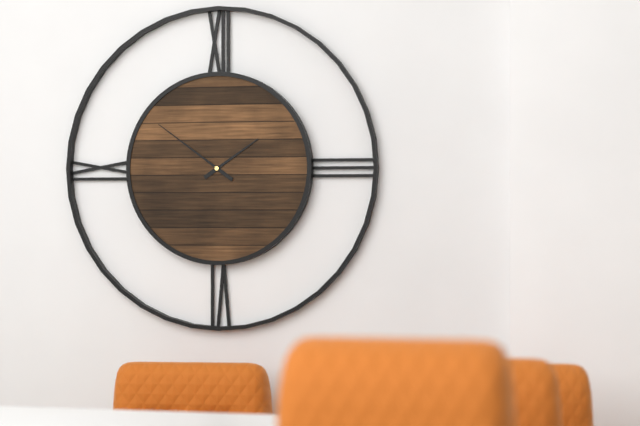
1:51
